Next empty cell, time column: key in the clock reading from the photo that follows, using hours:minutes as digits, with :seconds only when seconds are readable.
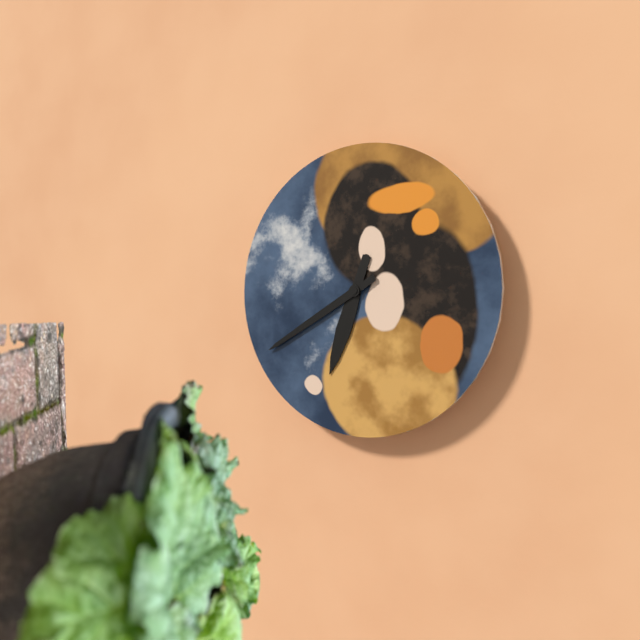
6:40
